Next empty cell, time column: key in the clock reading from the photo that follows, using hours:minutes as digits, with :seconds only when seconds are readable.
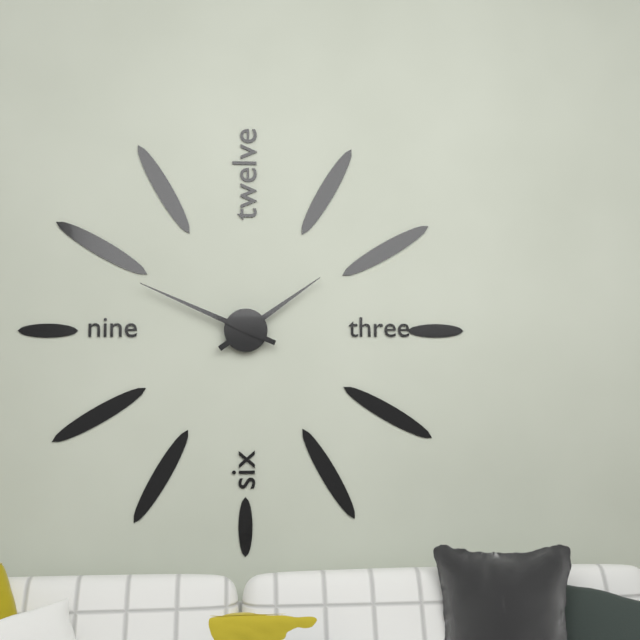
1:49
